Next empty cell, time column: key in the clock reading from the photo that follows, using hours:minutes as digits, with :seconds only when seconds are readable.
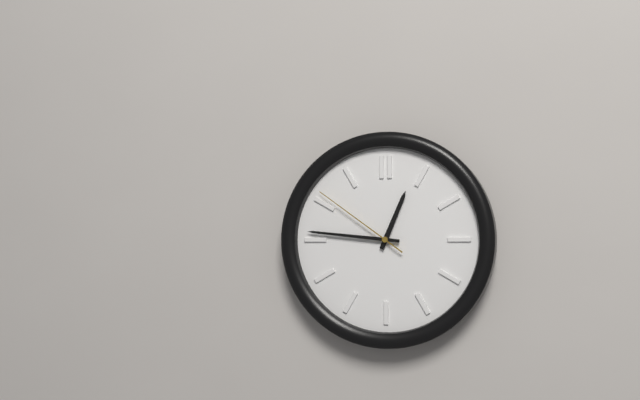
12:46:51
